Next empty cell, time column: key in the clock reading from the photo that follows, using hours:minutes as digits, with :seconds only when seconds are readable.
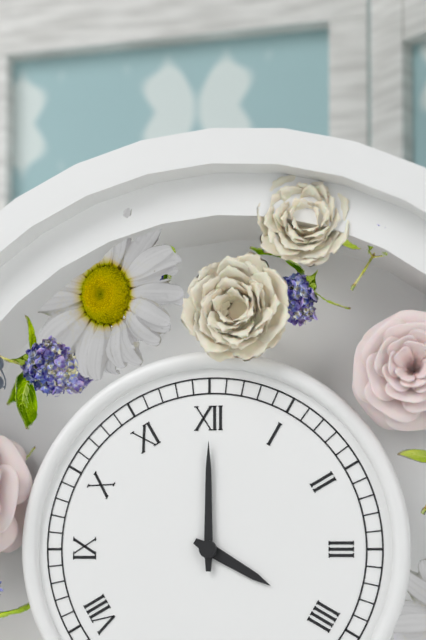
4:00
